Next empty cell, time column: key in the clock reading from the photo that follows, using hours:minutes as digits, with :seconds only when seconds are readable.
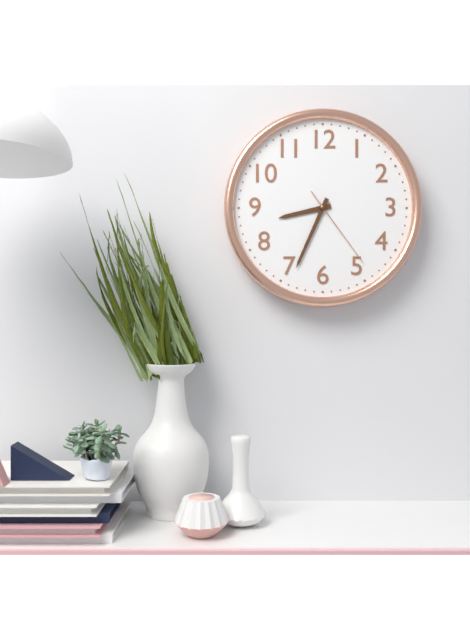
8:34:24
